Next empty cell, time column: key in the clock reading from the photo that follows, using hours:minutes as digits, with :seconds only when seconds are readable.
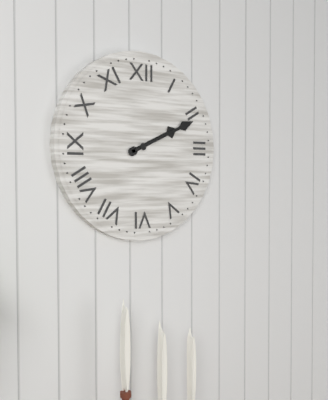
2:11
